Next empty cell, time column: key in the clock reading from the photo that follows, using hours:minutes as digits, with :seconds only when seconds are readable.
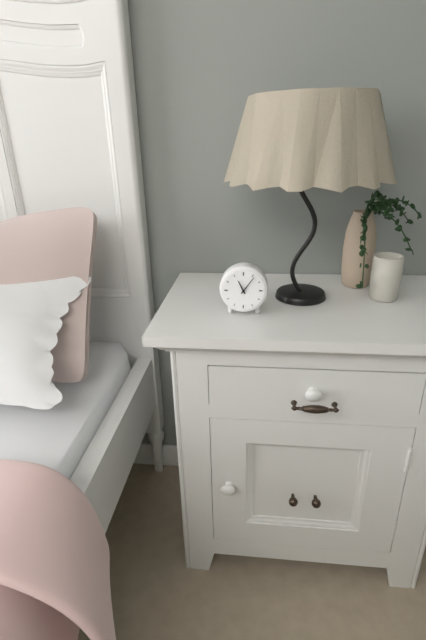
11:06
